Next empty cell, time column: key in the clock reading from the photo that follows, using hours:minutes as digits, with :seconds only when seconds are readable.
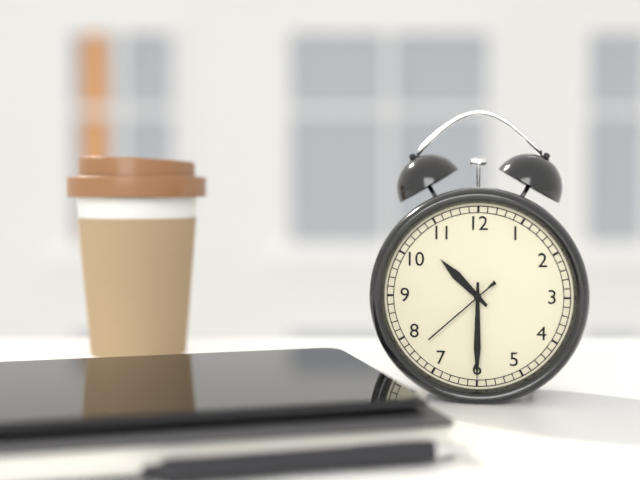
10:30:38
